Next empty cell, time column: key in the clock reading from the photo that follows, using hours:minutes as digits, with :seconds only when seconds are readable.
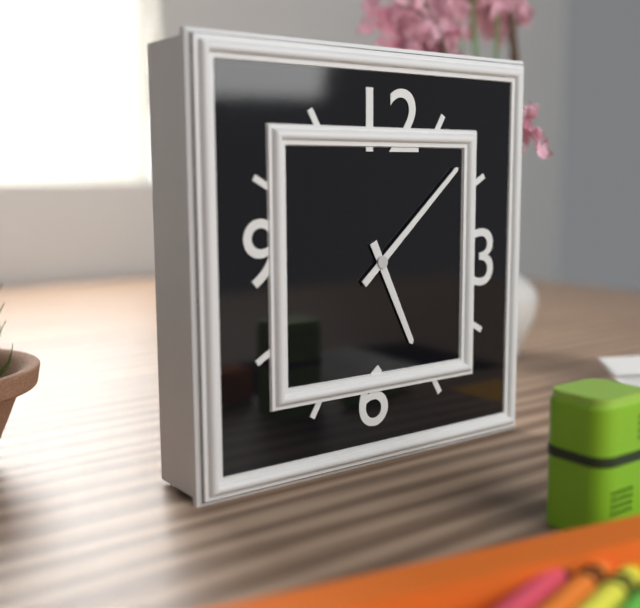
5:08
